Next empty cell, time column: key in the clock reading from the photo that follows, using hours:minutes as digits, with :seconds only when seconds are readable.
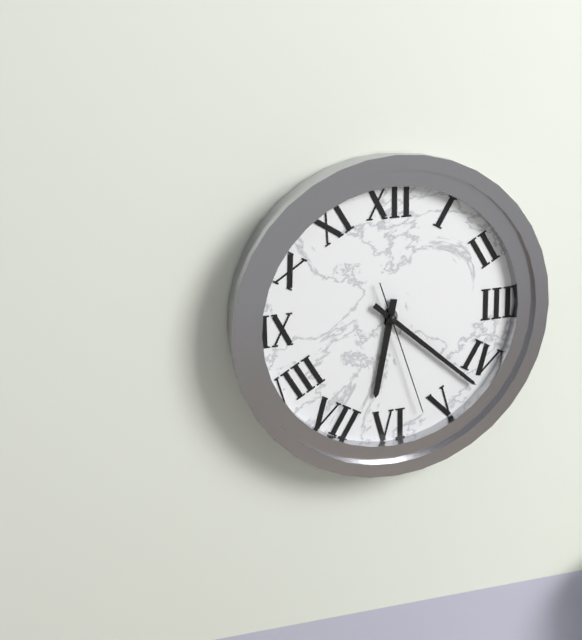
6:22:27
